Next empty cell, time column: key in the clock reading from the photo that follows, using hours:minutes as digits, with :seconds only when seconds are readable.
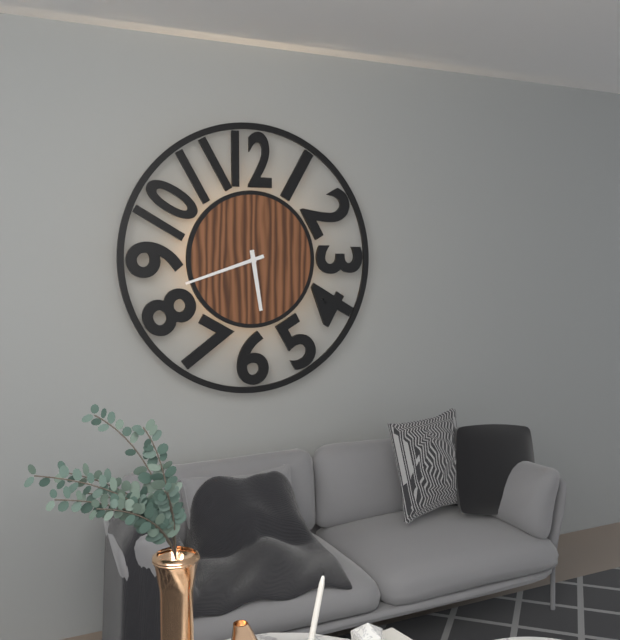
5:42
